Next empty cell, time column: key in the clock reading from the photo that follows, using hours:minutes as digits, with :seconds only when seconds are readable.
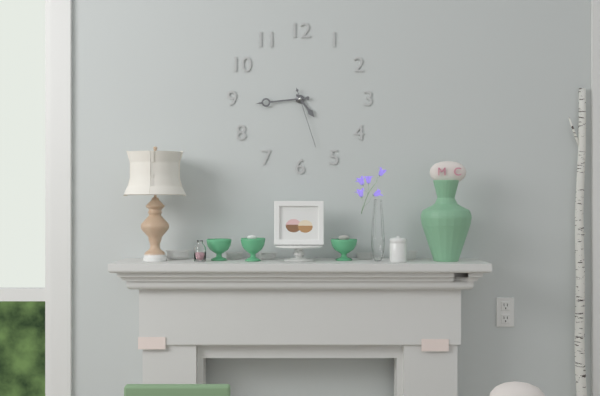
4:44:27
